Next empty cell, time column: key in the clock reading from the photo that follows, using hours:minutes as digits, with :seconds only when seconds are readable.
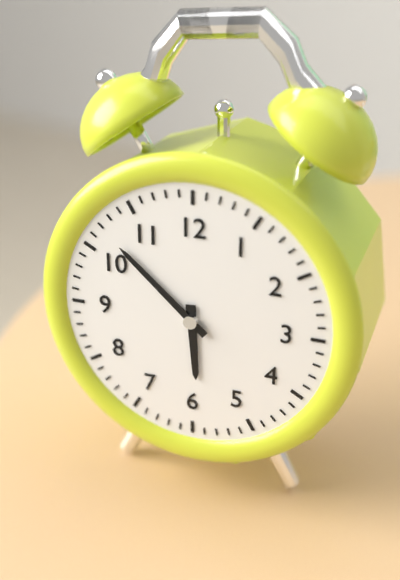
5:52
